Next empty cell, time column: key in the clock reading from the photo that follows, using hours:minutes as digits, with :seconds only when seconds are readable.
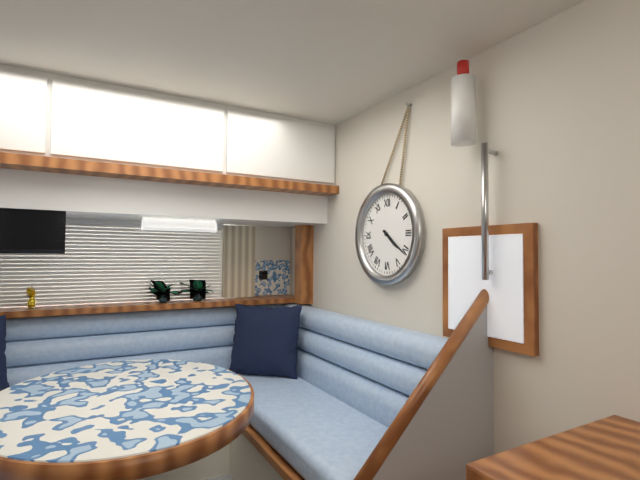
4:21
